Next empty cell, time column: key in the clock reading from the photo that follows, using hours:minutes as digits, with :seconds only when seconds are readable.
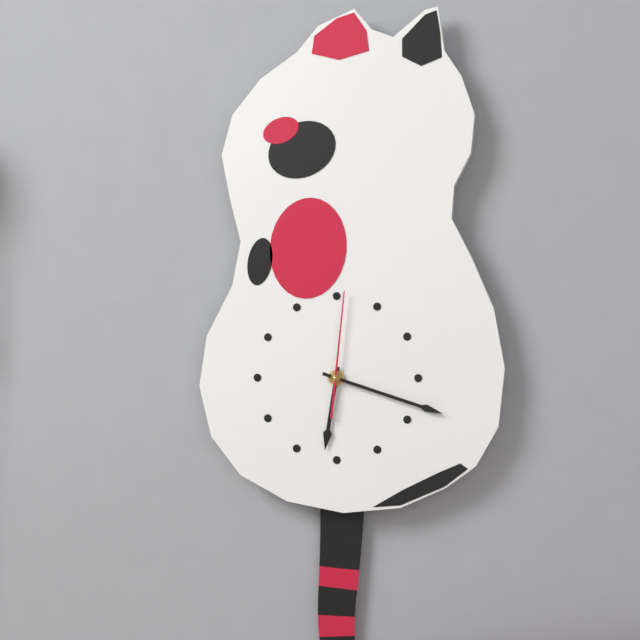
6:18:01
